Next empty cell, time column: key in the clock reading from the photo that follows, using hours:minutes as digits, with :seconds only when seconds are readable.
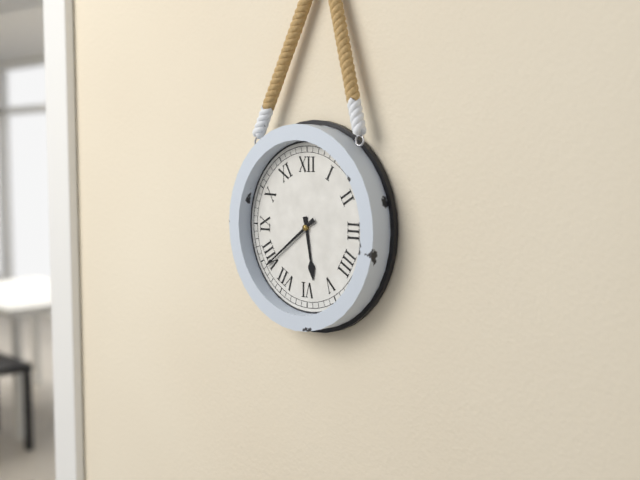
5:39
